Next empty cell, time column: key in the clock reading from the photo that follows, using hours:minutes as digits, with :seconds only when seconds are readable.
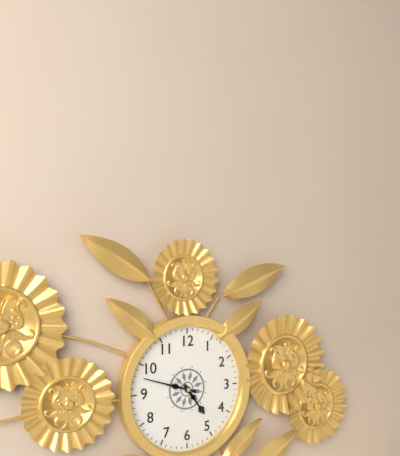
4:48
